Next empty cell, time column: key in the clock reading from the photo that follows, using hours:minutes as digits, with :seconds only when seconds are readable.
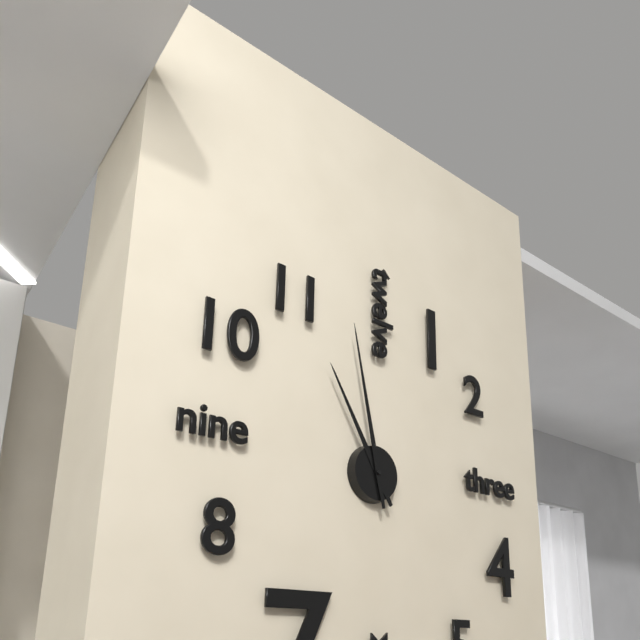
10:58
